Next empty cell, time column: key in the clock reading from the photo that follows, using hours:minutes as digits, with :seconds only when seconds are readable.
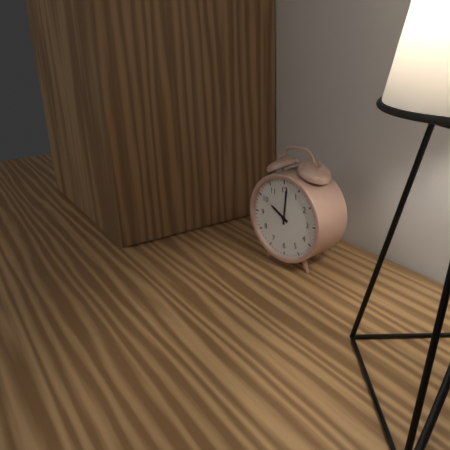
10:01
